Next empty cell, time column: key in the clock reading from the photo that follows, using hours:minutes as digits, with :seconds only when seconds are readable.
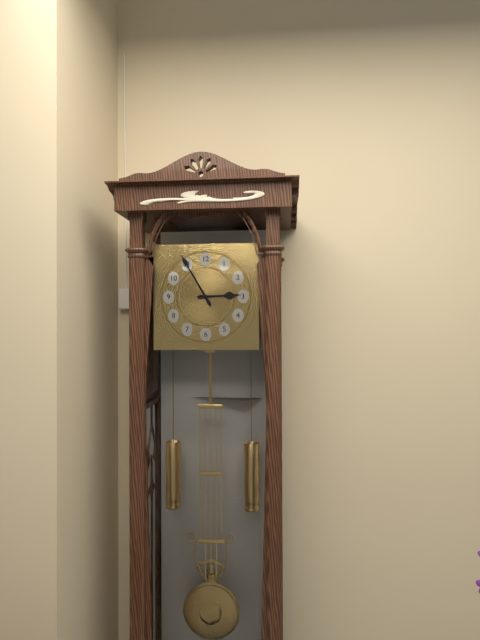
2:55
